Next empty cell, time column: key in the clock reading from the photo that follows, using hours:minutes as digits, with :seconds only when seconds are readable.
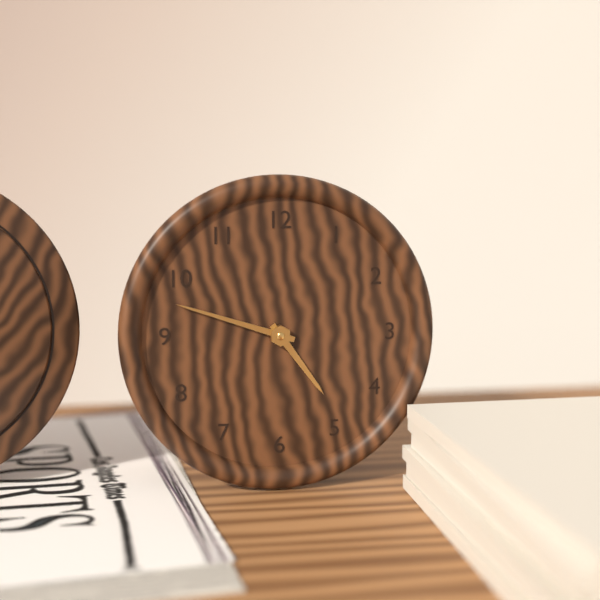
4:48
